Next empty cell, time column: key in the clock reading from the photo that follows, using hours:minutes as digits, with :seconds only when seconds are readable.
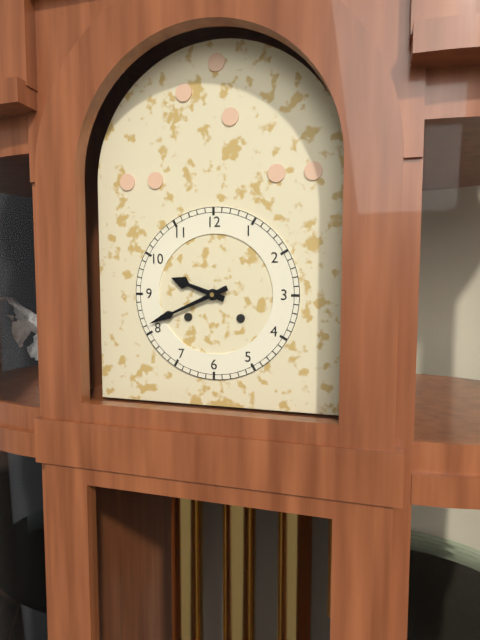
9:41
